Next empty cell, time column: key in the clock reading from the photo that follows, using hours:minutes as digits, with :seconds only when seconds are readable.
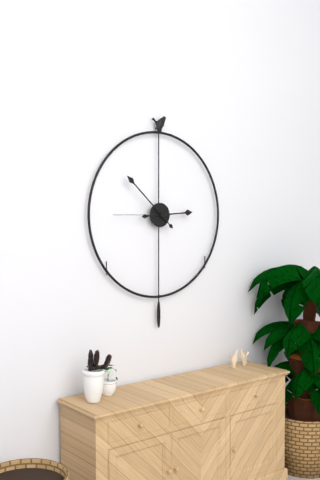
2:52:45
